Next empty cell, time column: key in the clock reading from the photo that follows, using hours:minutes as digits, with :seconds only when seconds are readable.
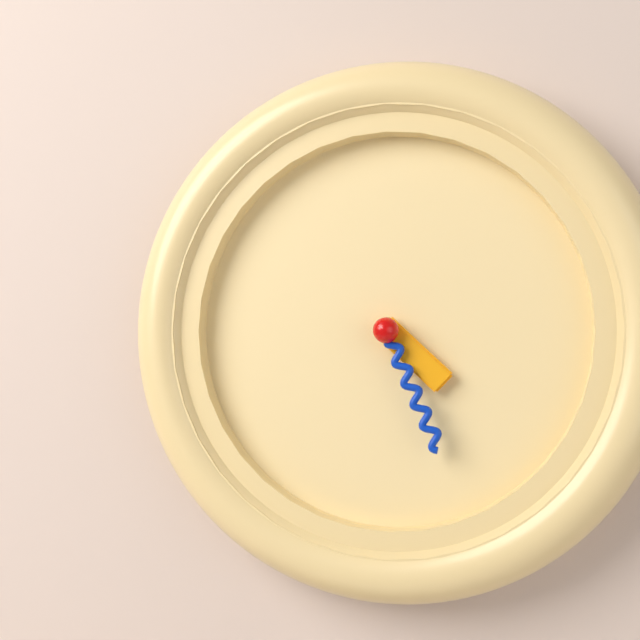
4:26
